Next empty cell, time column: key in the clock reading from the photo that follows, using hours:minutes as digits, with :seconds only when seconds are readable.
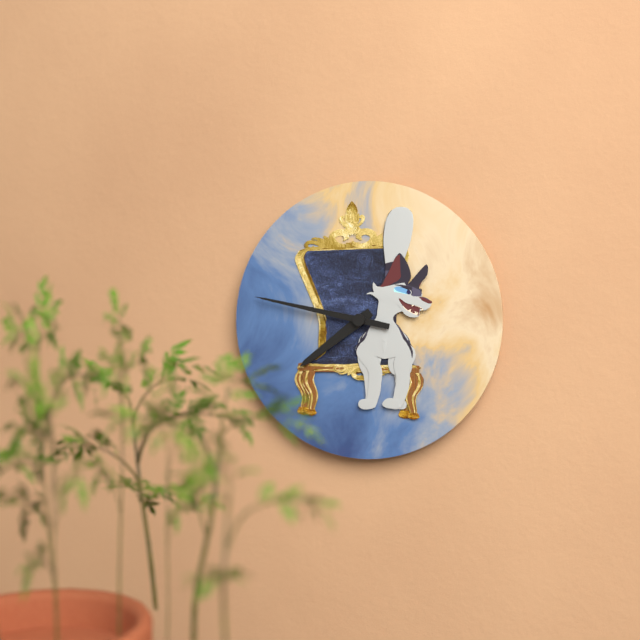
7:47
